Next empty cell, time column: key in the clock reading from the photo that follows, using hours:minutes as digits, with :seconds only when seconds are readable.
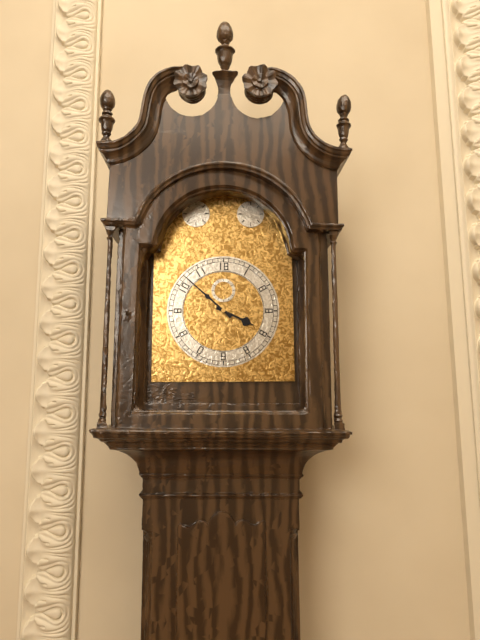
3:52
